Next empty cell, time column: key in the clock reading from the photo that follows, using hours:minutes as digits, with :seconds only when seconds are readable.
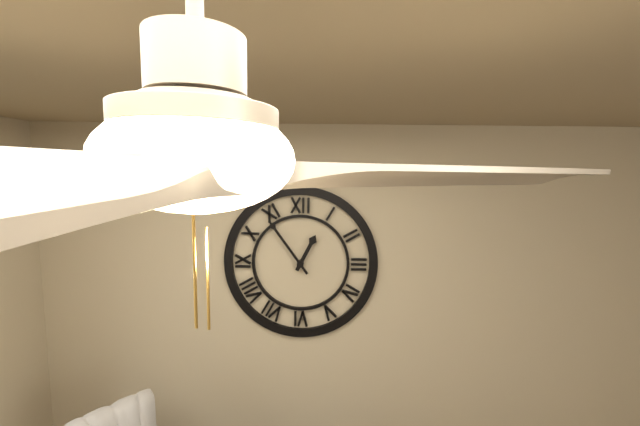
12:54
